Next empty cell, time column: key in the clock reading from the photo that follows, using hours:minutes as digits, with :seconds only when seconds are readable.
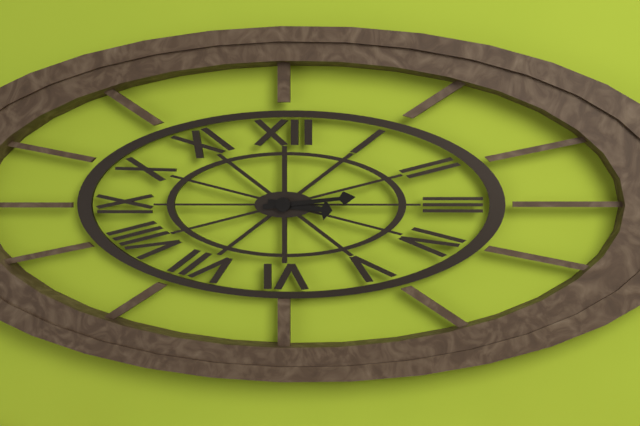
3:14
